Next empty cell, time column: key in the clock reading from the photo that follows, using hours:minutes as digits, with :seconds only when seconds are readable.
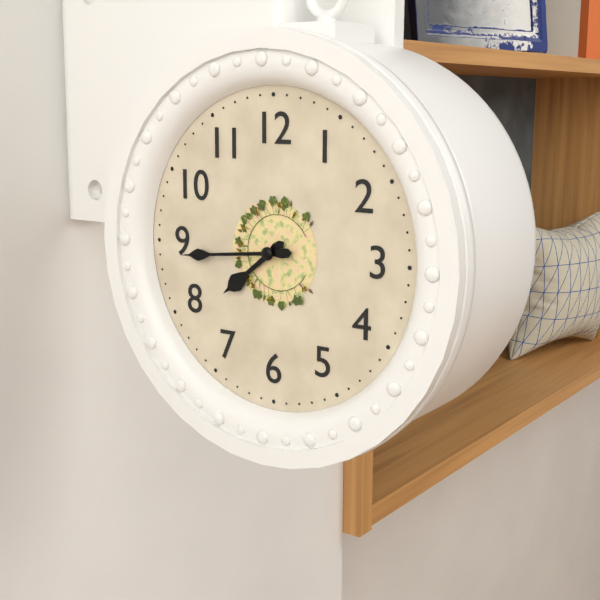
7:44
